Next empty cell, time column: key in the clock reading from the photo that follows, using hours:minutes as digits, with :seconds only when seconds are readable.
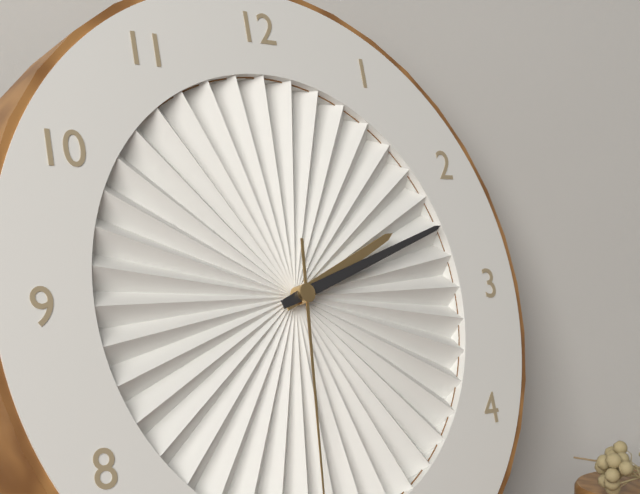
2:12
